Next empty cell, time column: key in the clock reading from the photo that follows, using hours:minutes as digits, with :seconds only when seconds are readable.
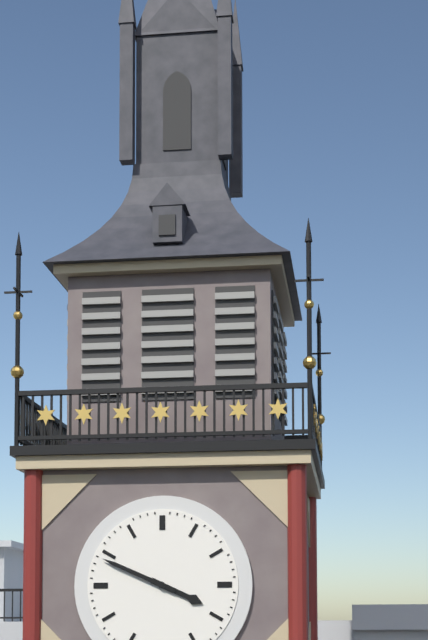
3:49
